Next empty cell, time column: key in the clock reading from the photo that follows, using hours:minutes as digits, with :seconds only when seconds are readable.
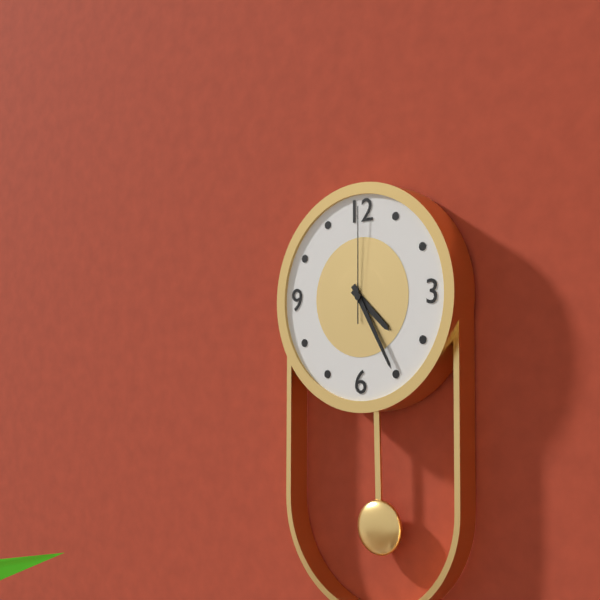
4:25:00
